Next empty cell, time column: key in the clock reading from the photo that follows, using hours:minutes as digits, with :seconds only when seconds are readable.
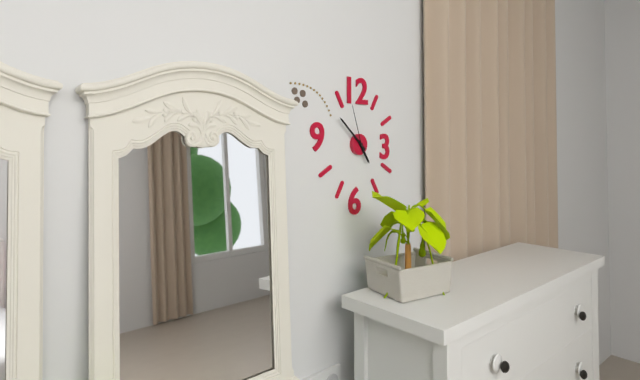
4:52
